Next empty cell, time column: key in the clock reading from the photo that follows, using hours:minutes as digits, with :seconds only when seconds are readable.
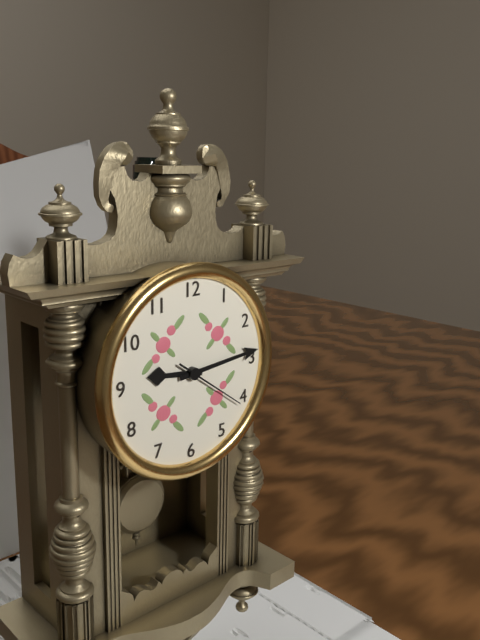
9:14:21
